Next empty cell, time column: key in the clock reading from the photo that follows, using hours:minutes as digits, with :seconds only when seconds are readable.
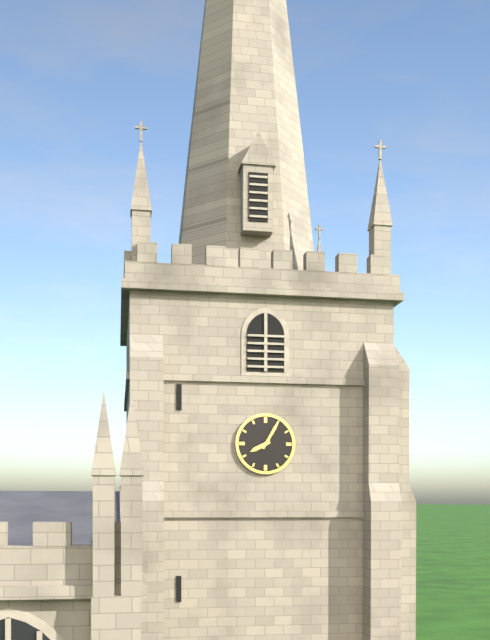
8:05
